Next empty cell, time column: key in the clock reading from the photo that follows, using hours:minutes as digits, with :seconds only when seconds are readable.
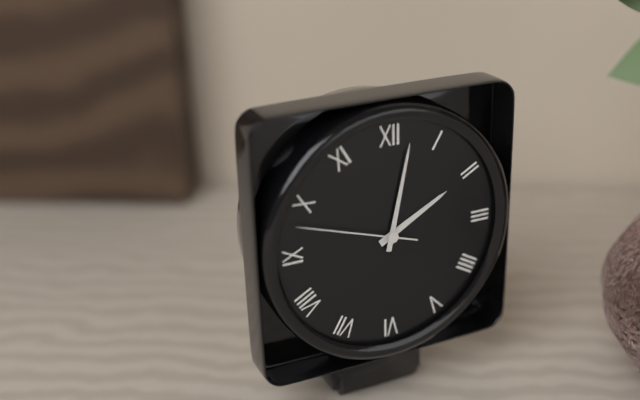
2:02:48
